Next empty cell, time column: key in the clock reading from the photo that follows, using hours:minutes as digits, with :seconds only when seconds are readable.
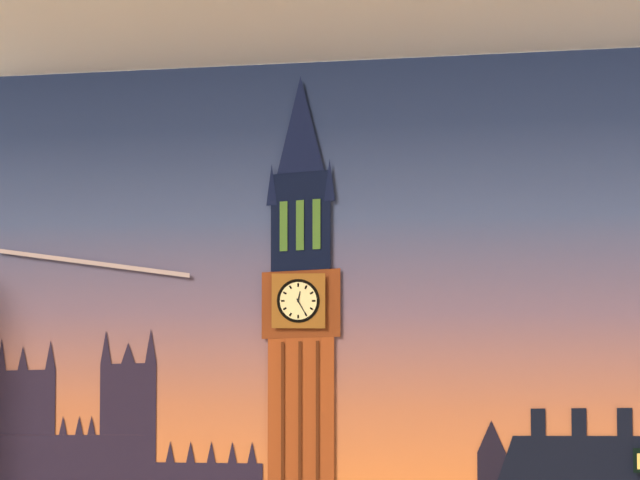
12:25
